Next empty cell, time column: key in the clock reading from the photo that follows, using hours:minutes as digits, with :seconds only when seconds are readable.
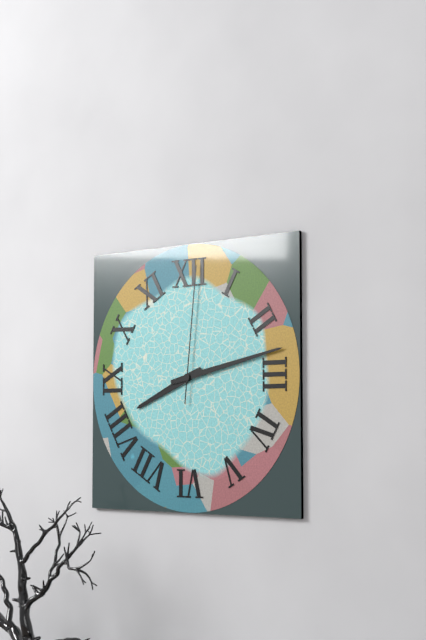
8:13:01
